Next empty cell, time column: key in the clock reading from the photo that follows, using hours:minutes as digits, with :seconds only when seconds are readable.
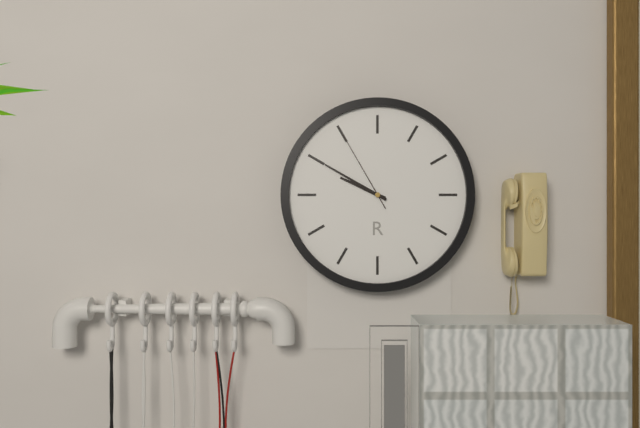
9:50:55
